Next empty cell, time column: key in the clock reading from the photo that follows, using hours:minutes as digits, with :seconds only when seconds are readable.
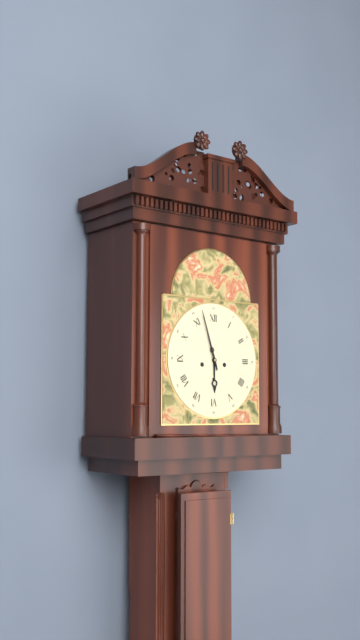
5:57
